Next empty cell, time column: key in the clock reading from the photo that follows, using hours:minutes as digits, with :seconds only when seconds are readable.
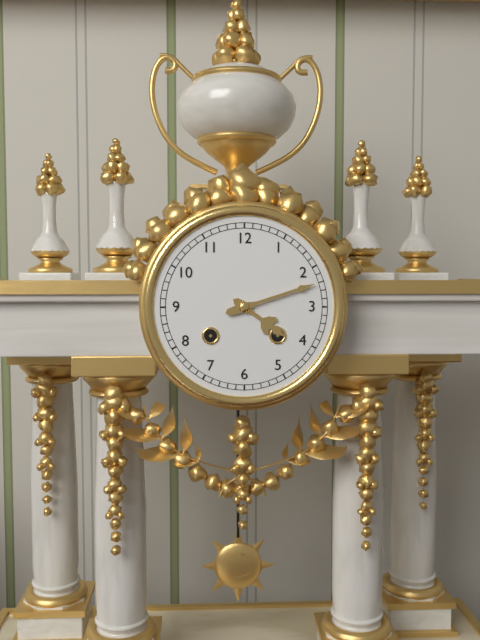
4:12
